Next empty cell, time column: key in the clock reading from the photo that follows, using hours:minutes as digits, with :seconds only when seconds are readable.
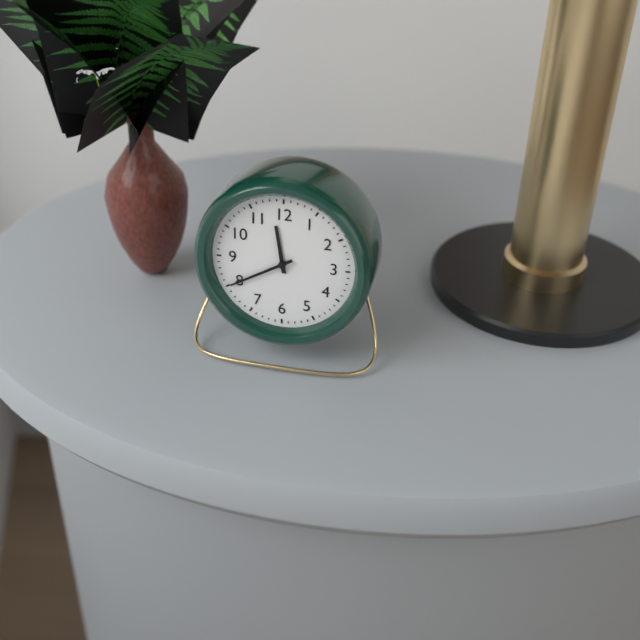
11:40
